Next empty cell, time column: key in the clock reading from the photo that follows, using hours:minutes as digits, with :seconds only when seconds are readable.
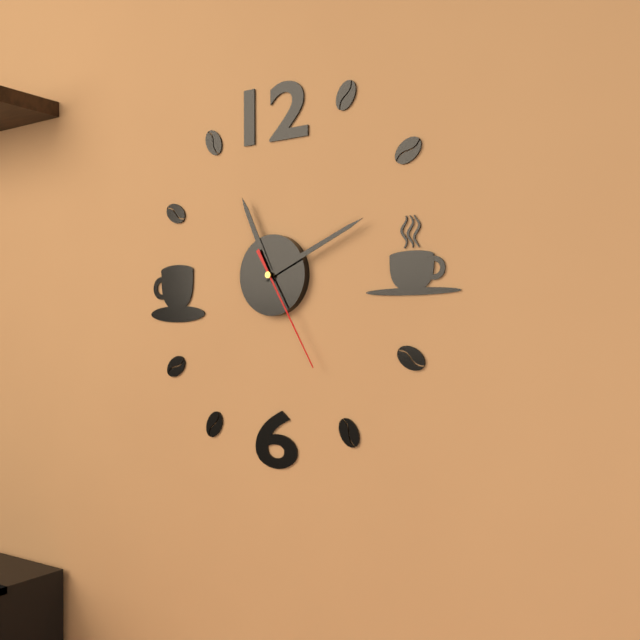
11:11:25
